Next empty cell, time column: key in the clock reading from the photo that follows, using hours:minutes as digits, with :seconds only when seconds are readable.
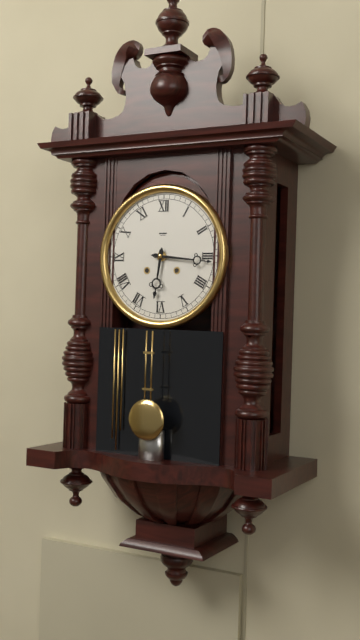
6:16
